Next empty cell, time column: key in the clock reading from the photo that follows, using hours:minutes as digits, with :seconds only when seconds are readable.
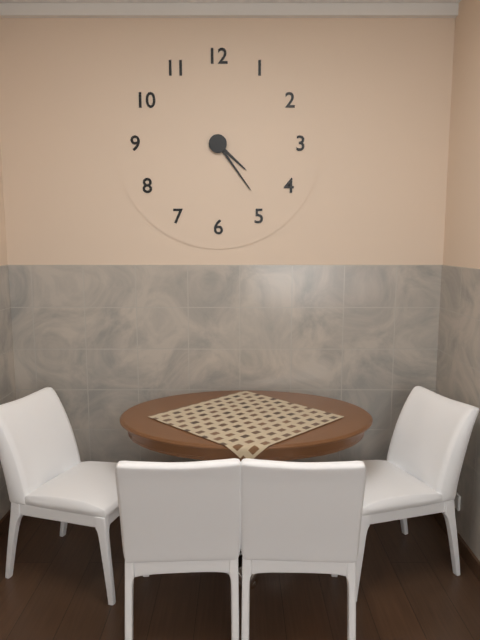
4:24
